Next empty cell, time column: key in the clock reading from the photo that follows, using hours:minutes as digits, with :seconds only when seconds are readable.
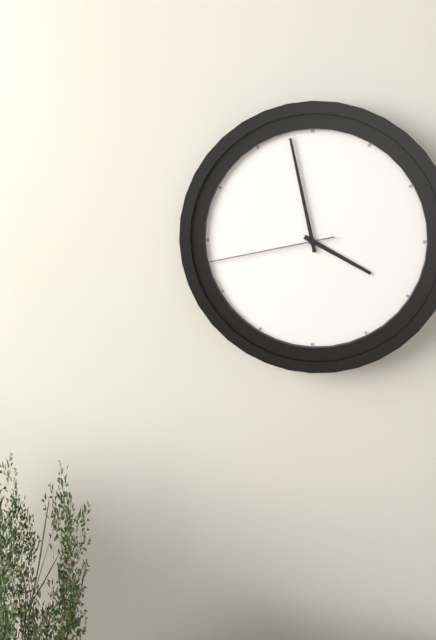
3:58:43
